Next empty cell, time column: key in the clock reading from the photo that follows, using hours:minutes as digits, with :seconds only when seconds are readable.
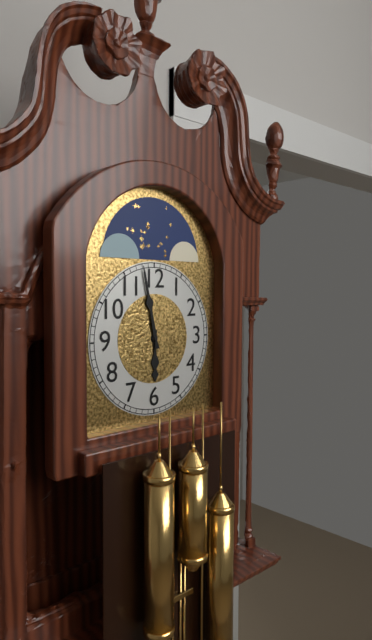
5:58
